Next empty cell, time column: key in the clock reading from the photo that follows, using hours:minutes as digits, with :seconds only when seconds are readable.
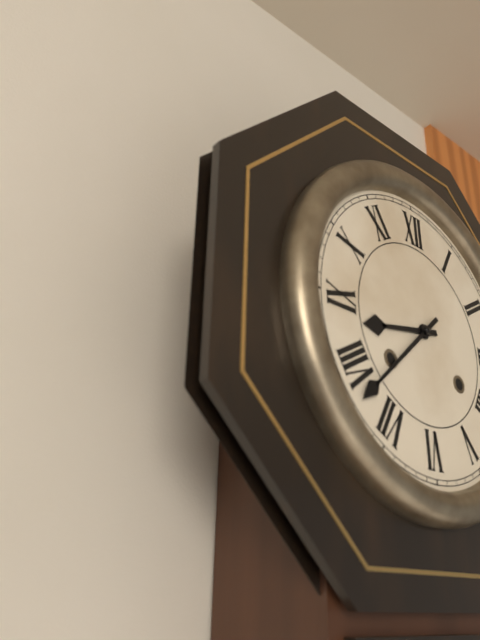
8:38
